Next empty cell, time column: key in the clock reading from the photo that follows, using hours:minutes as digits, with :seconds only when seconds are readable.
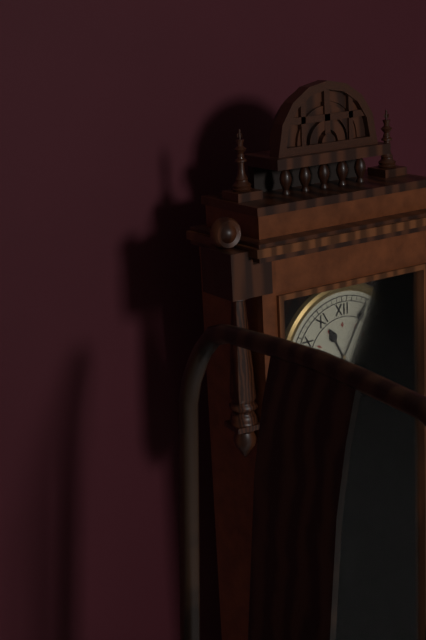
11:05
